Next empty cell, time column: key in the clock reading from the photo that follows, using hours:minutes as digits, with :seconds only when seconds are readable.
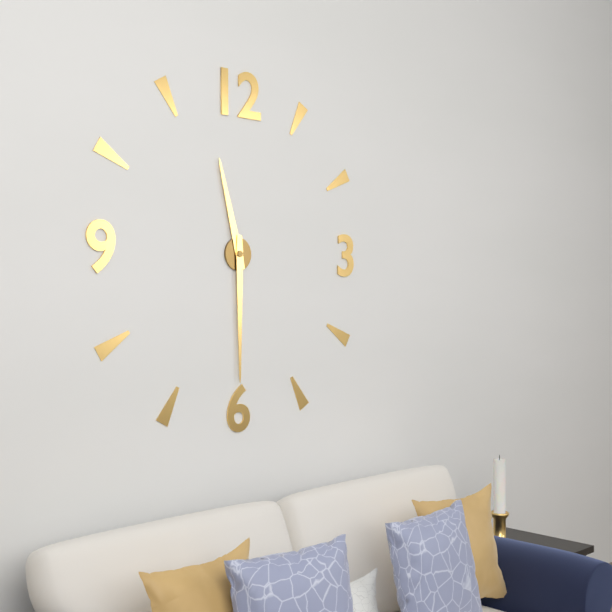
11:30
